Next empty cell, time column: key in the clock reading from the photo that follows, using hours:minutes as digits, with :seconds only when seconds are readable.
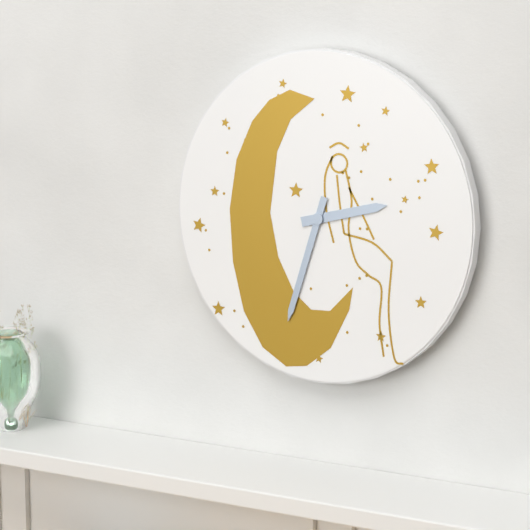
2:33
